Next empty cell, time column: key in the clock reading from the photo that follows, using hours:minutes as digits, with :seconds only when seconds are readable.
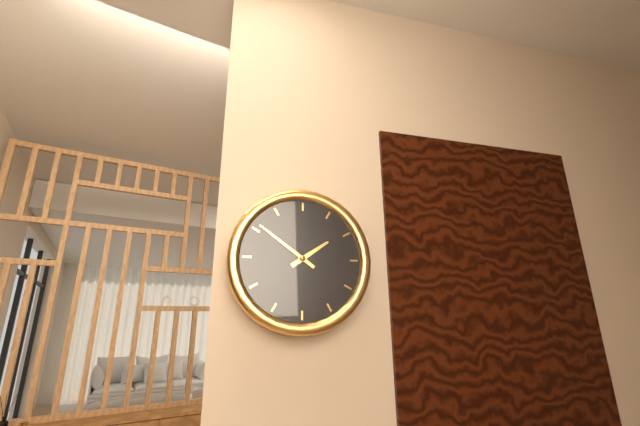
1:51
